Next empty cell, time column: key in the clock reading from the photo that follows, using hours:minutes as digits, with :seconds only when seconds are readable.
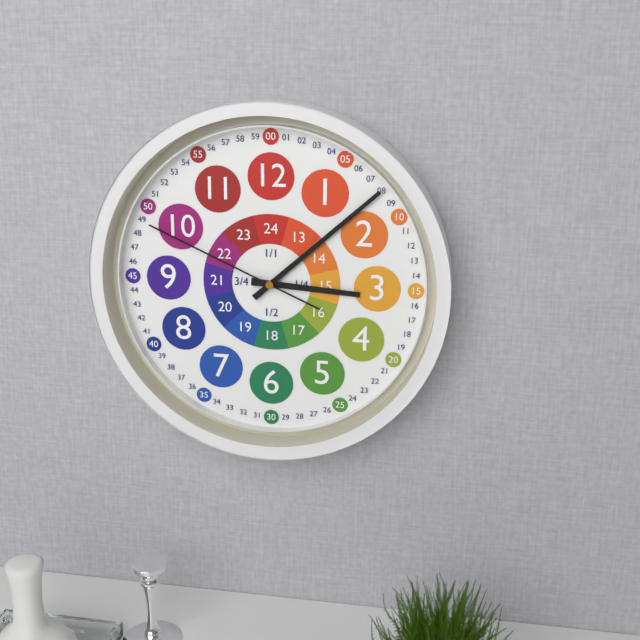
3:08:49
